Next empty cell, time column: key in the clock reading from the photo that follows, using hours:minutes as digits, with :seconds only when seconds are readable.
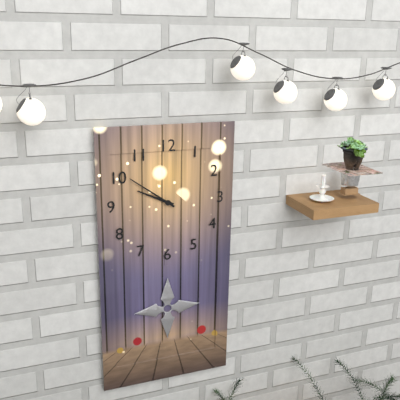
9:51
